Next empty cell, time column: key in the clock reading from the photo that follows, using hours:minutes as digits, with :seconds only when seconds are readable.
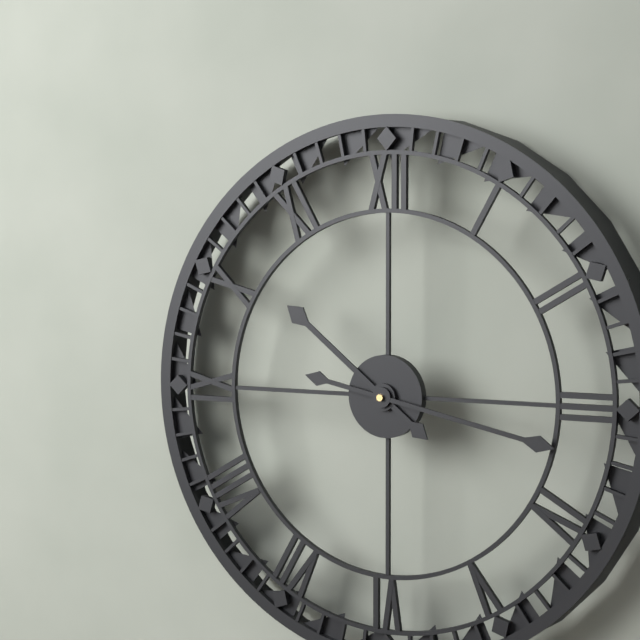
10:17
